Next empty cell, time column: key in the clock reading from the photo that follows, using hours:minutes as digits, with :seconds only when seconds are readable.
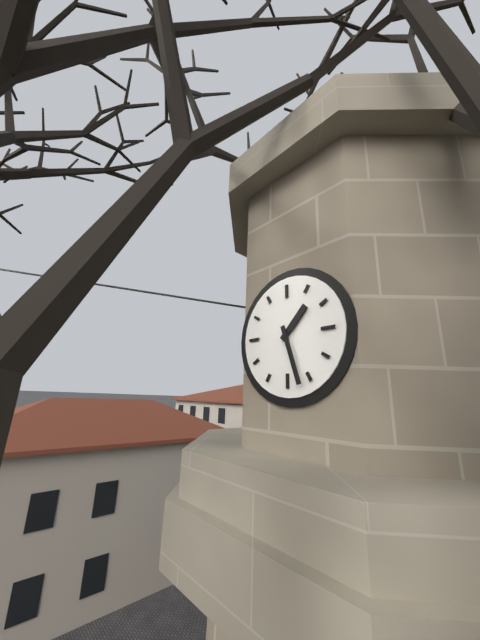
1:27
